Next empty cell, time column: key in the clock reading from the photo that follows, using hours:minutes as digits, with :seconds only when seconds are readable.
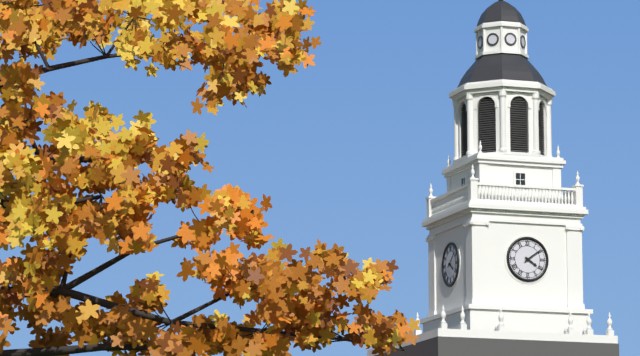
4:09
